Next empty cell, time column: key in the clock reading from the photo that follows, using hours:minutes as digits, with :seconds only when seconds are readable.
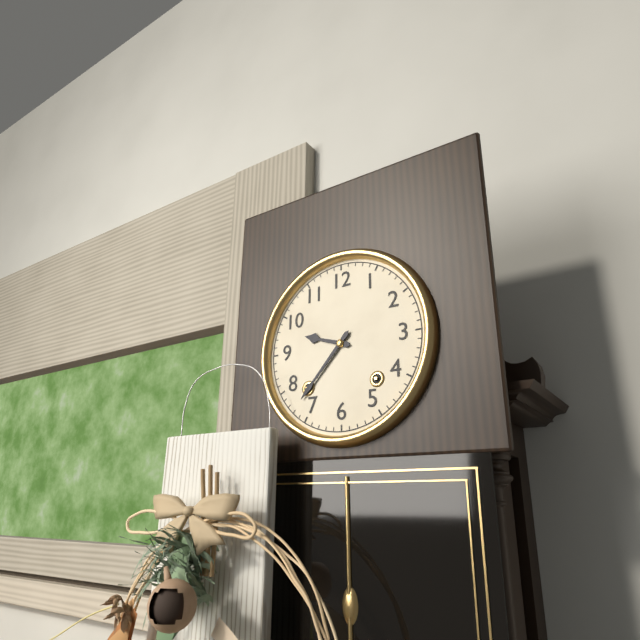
9:37
